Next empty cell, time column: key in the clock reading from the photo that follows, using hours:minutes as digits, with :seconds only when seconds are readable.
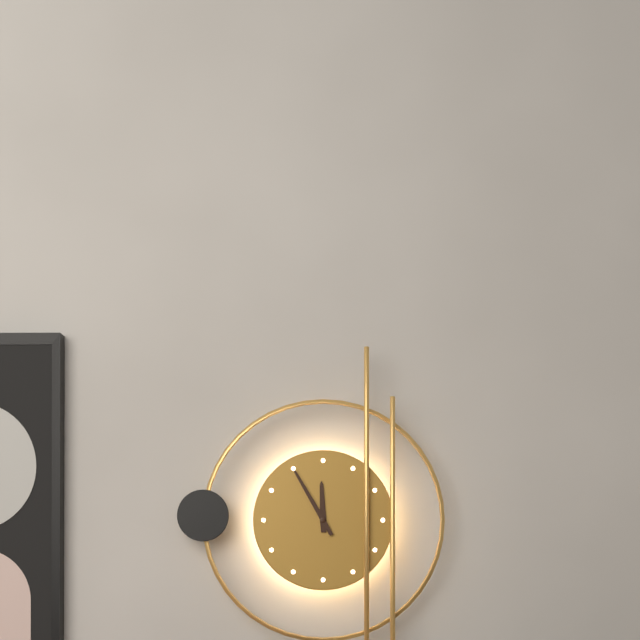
11:55
